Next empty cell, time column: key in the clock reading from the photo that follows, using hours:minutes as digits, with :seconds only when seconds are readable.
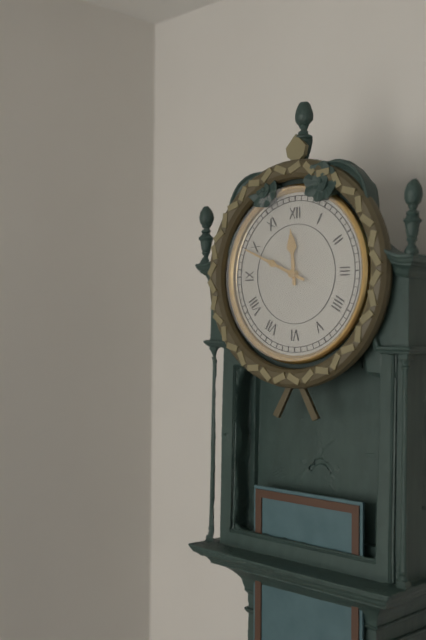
11:49
